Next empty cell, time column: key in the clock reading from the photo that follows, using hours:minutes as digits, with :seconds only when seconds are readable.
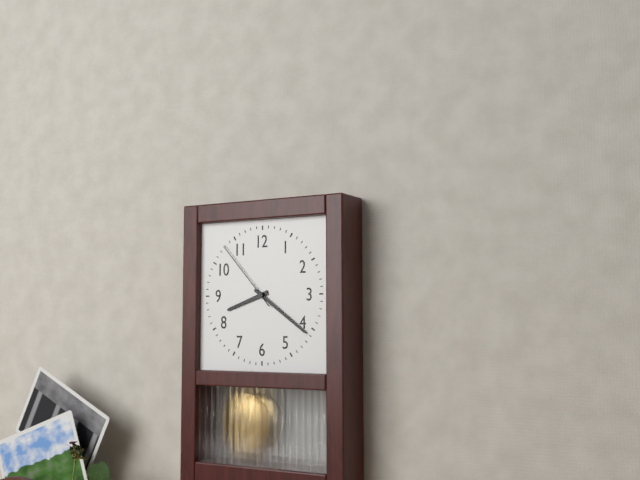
8:21:53
